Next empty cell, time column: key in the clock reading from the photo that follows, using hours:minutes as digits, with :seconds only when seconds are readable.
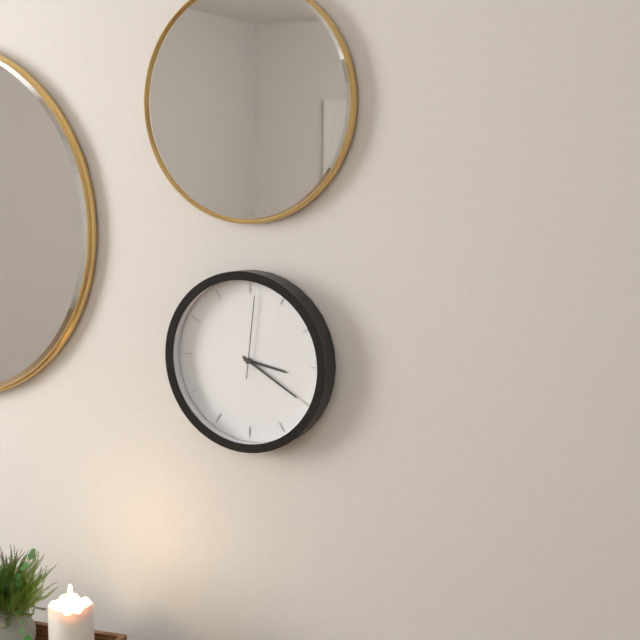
3:20:01
